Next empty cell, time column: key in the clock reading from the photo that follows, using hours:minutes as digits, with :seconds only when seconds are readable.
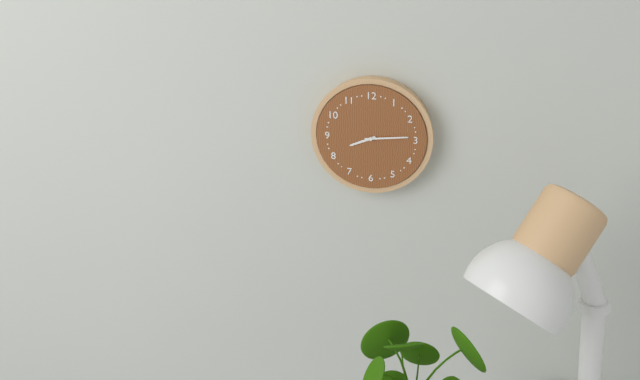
8:14
